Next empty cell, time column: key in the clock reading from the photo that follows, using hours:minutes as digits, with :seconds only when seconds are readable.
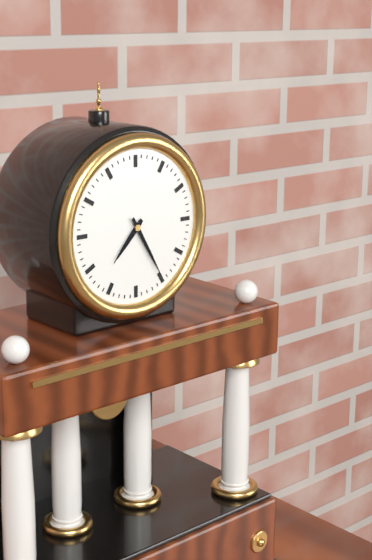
7:25
